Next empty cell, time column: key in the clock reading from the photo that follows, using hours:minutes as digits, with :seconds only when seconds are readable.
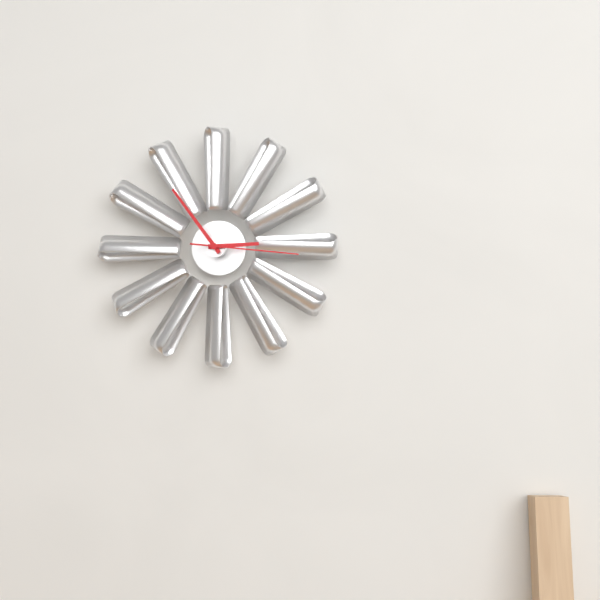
2:54:16
